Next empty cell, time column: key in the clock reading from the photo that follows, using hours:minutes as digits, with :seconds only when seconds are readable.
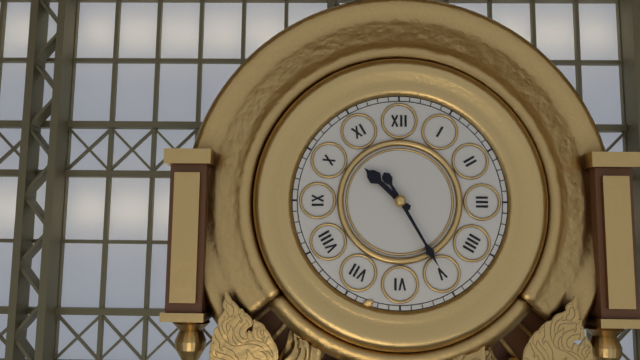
10:25
